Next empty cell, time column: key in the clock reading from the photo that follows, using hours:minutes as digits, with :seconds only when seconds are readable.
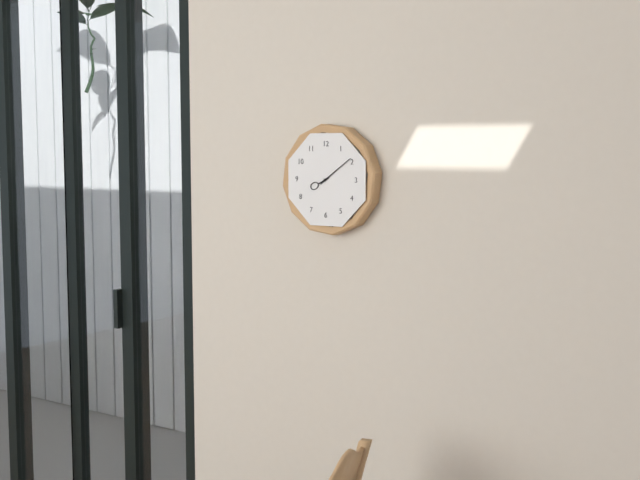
8:09
